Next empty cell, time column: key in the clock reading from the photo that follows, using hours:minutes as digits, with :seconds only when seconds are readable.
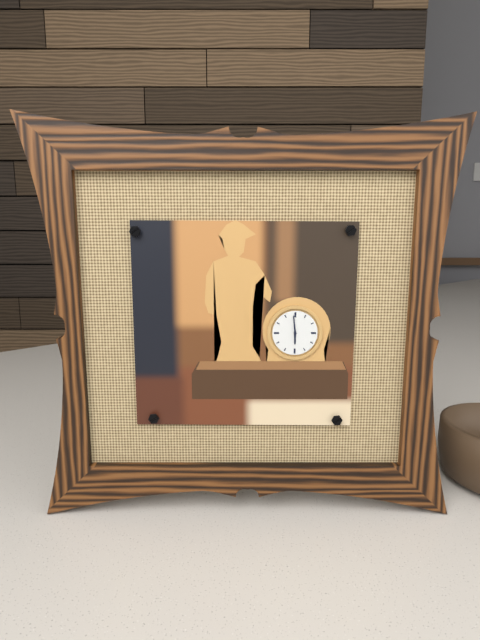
5:59
